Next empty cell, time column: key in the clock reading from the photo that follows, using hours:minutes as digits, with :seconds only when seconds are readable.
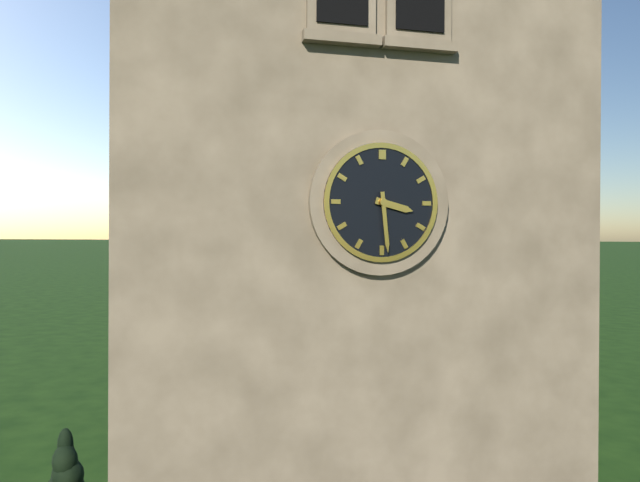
3:29
